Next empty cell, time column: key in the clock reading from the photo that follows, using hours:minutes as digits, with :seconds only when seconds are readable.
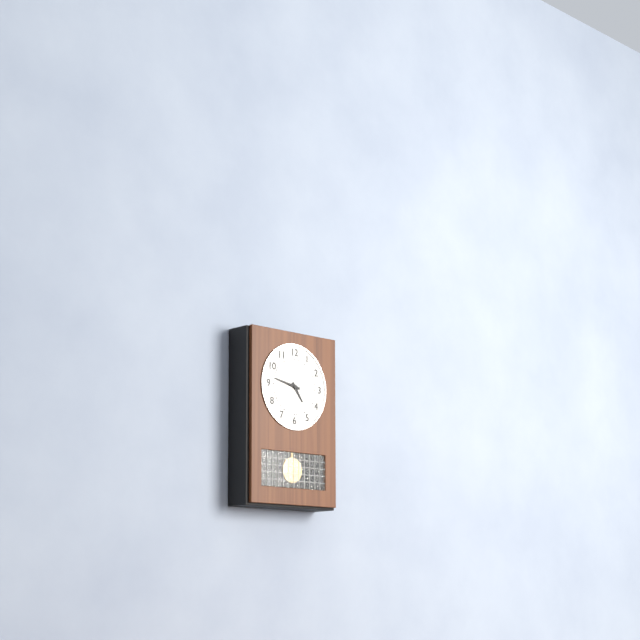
4:47
